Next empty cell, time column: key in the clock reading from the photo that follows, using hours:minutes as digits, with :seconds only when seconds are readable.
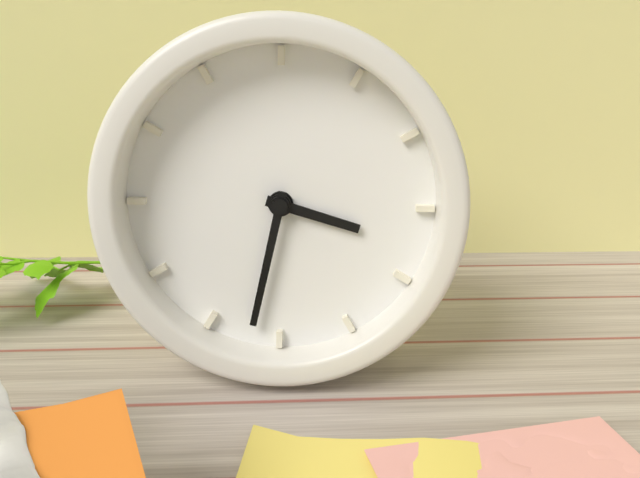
3:32
